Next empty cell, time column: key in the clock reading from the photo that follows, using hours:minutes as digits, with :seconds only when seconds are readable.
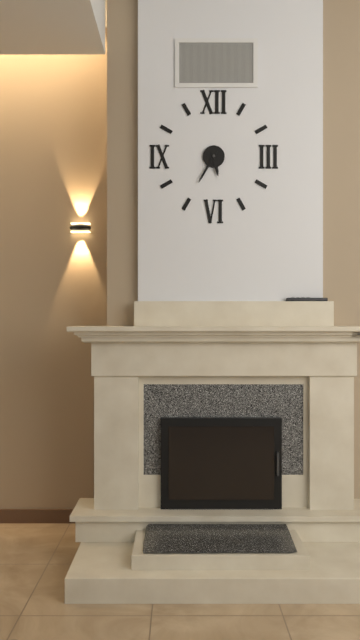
5:35
